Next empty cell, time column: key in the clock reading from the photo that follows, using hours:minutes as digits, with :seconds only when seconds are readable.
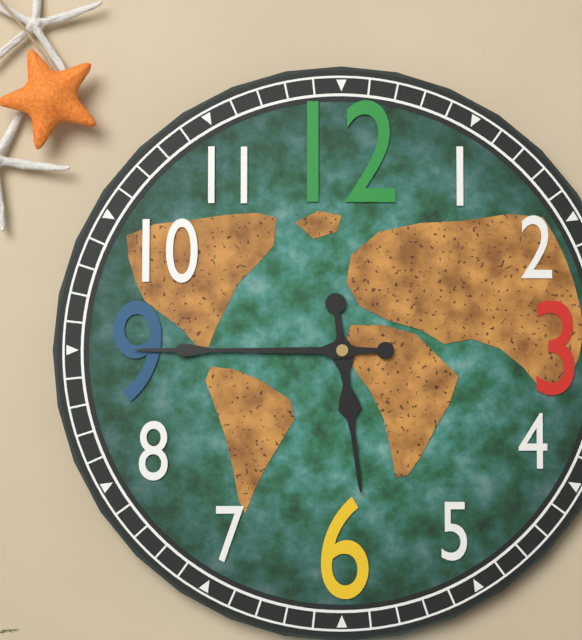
5:45
